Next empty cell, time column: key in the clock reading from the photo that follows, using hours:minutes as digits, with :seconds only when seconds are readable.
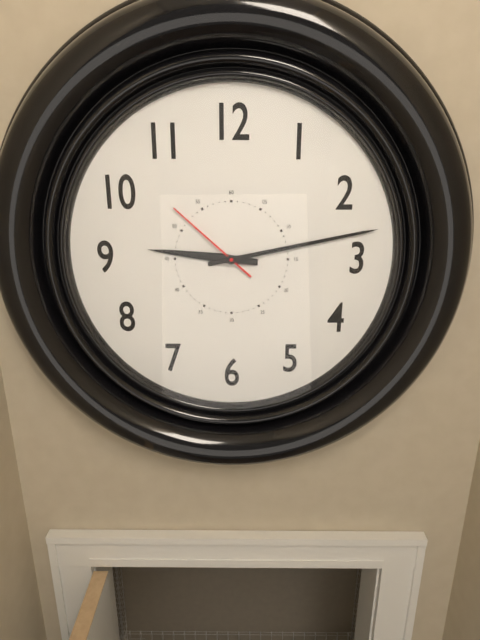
9:13:52
